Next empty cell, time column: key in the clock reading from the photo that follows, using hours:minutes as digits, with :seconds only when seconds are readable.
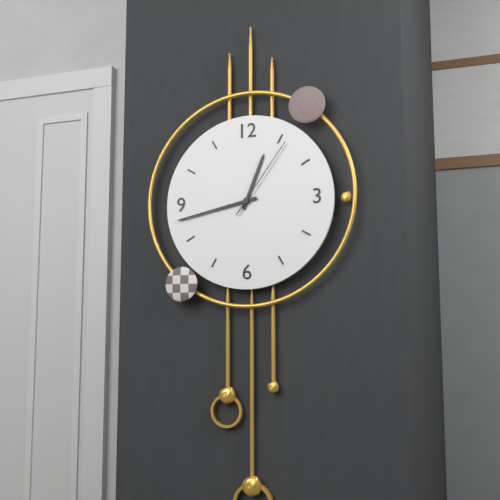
12:43:06
